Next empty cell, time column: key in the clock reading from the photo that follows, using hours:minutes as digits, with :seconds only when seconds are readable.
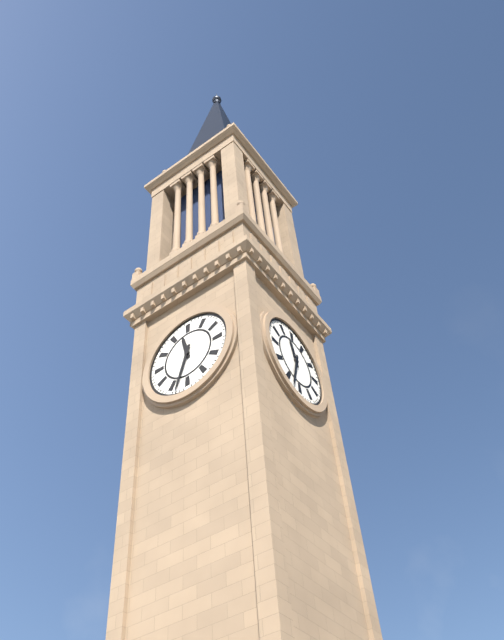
11:33
